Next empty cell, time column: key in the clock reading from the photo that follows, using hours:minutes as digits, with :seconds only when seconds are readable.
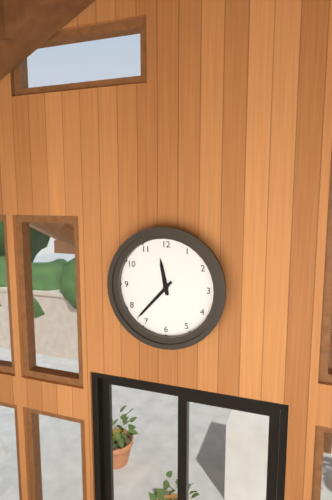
11:37
